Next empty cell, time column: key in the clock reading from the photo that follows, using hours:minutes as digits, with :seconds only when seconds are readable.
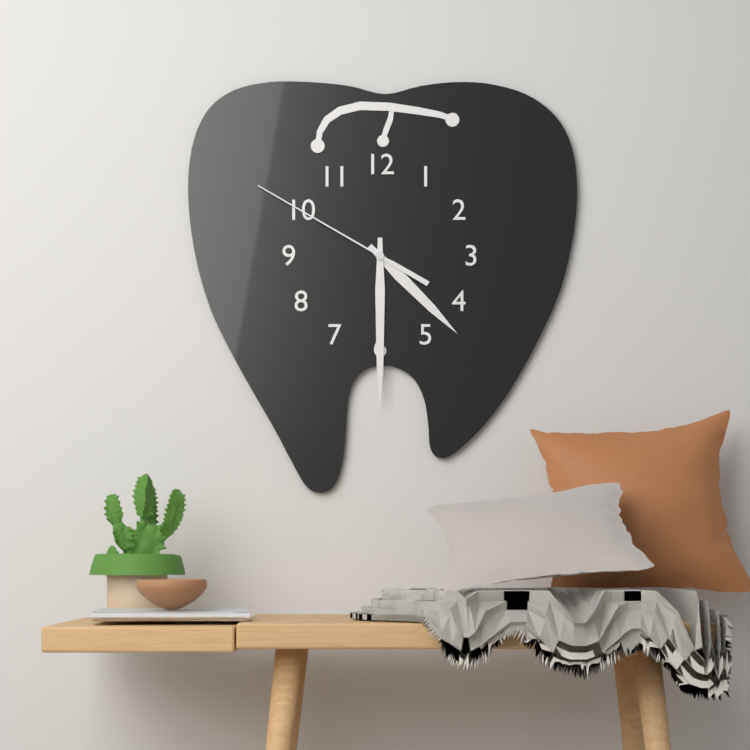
4:30:50
